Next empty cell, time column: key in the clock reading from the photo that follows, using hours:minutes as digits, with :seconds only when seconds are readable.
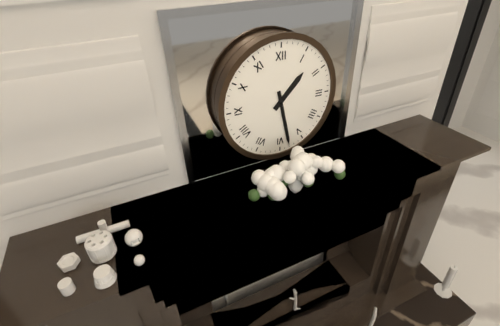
1:28
